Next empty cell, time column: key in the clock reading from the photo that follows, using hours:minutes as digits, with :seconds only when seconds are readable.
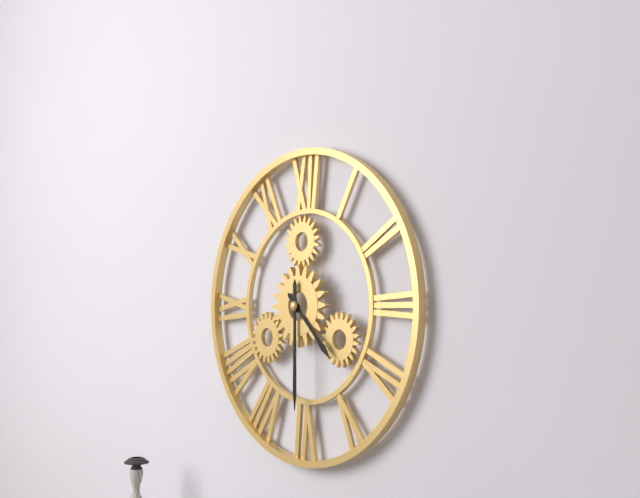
4:30
